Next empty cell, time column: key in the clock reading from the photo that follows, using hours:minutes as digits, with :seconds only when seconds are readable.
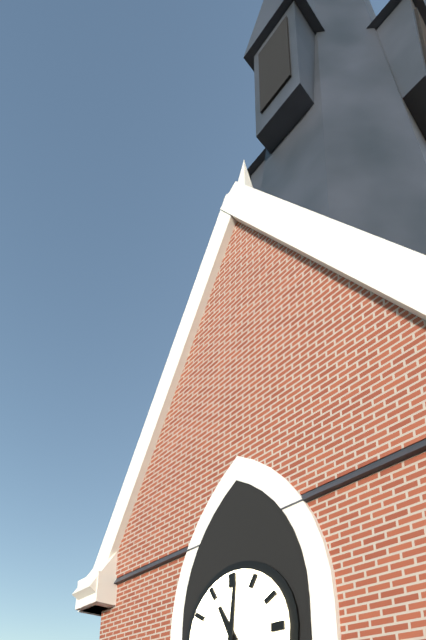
11:01
